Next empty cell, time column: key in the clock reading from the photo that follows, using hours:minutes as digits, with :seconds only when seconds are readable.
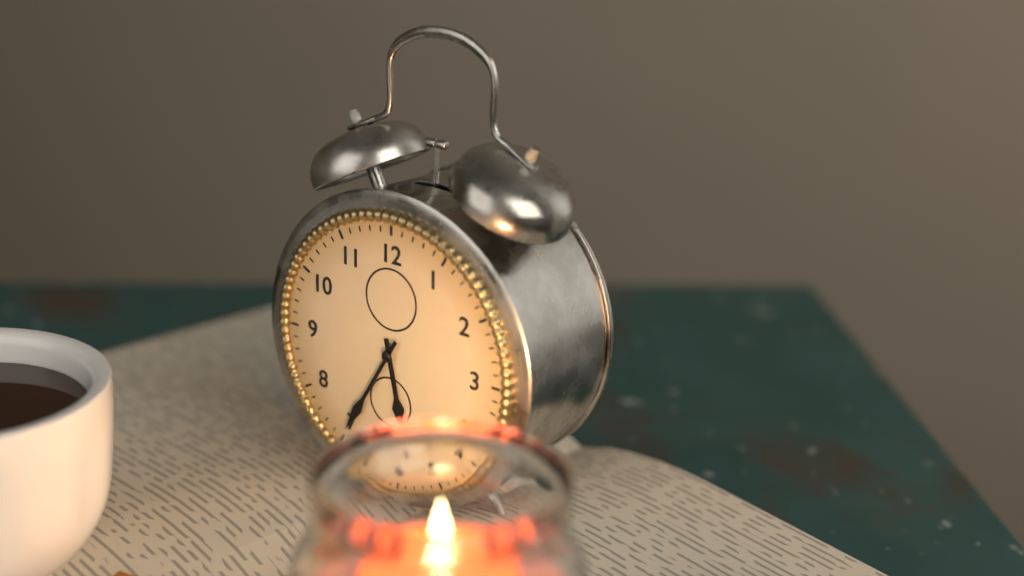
5:35
